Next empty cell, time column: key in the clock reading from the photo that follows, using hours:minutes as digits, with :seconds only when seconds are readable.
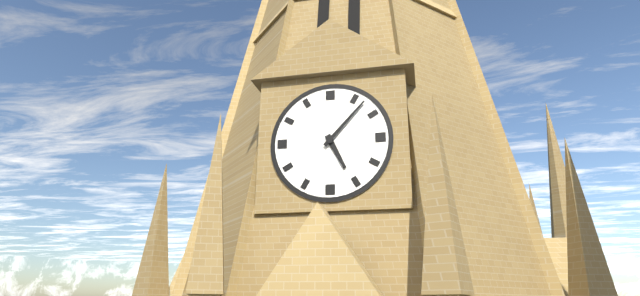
5:07
